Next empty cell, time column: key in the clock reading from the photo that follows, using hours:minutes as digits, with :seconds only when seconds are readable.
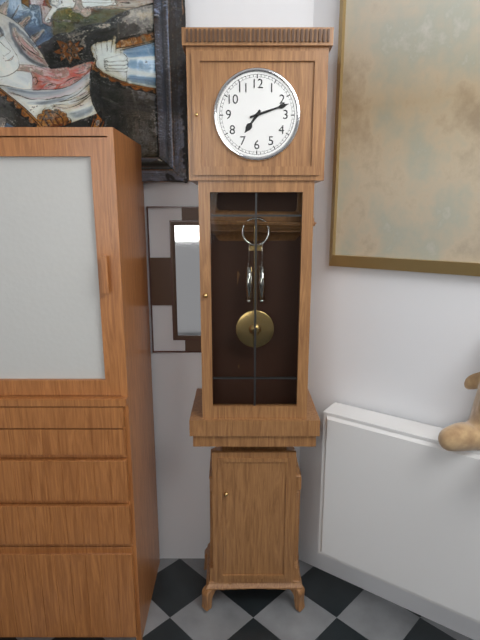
7:12
